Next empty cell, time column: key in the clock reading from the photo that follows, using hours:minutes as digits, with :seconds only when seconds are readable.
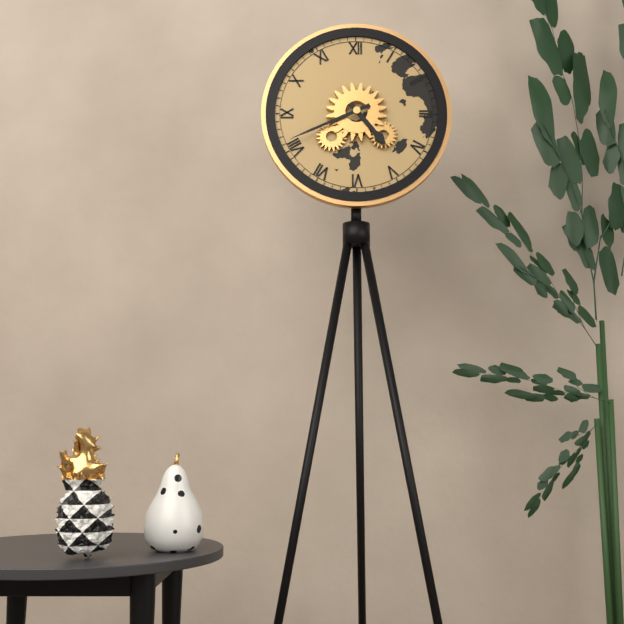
4:41
